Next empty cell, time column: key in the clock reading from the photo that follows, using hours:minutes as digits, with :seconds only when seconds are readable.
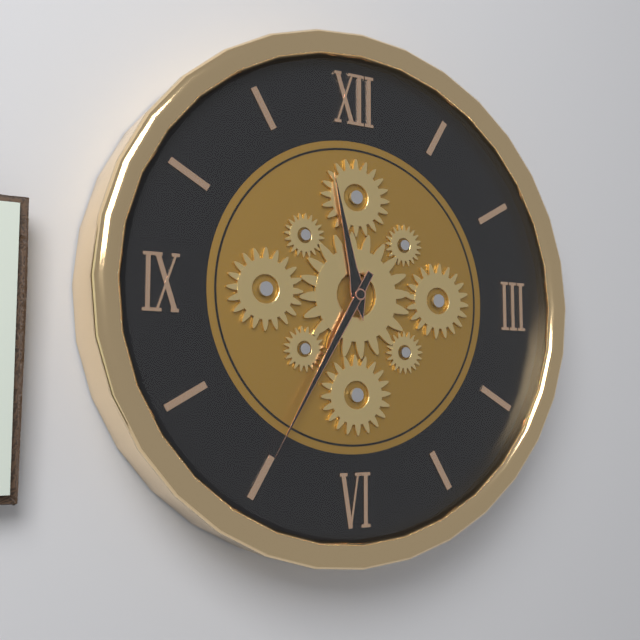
11:35
